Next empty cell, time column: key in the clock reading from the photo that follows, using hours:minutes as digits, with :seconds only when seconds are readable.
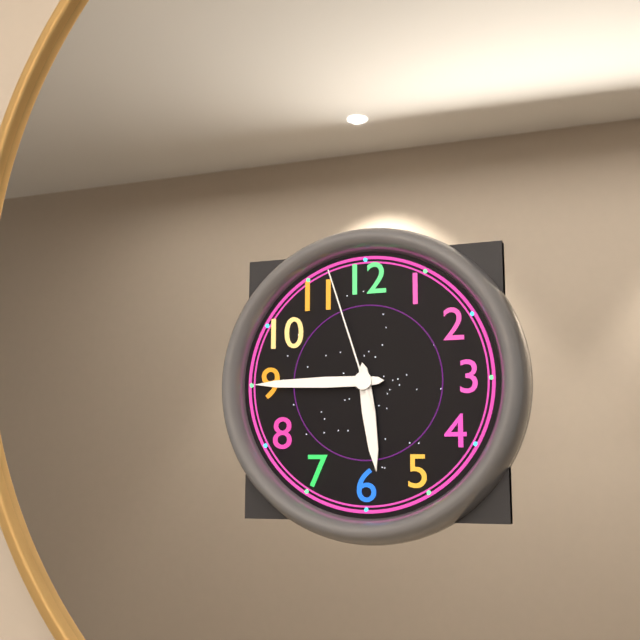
5:45:57
